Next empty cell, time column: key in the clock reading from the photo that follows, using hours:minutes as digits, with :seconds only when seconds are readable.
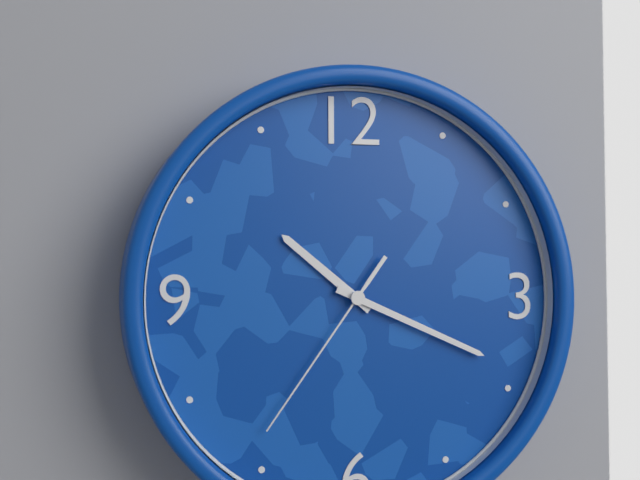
10:19:36
